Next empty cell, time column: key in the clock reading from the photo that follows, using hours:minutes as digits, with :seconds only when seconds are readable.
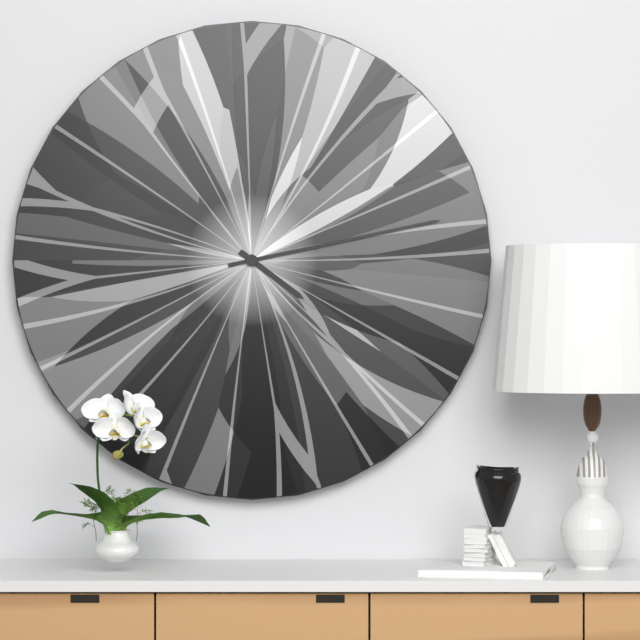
4:13
